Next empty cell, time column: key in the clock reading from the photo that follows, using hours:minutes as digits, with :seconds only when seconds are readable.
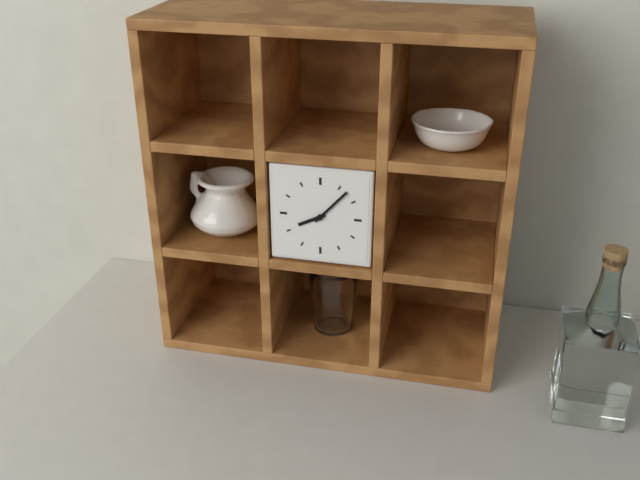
8:07
